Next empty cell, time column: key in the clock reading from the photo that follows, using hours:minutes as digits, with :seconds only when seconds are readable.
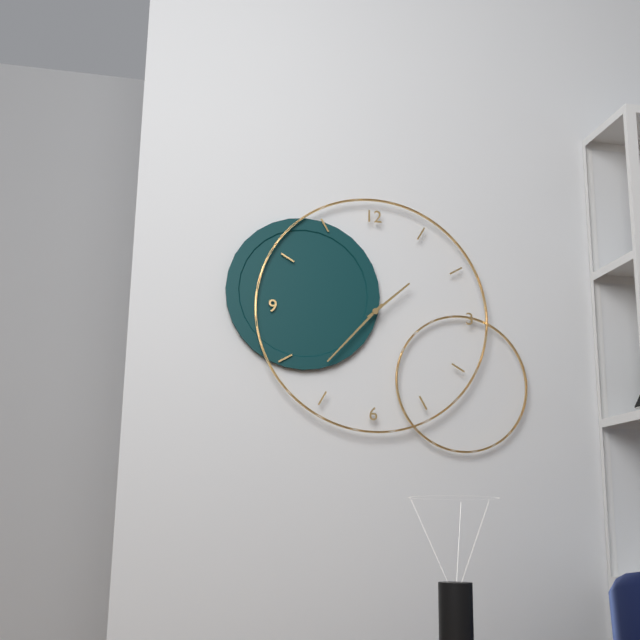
1:37
